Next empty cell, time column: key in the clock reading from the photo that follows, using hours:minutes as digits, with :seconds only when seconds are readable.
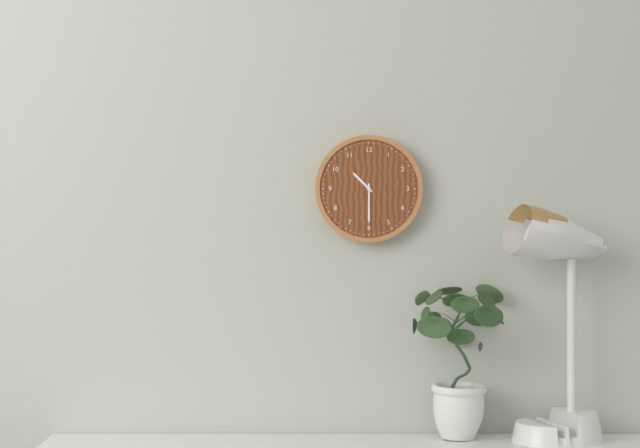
10:30
